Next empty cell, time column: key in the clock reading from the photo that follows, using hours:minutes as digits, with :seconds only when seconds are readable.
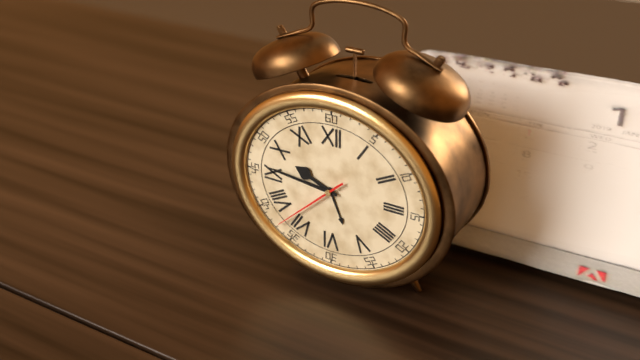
9:46:38
